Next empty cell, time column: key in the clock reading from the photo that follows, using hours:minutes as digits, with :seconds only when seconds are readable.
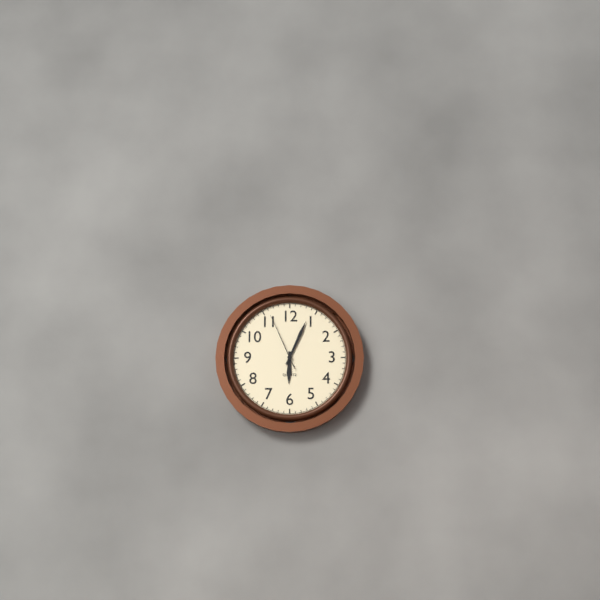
6:04:56
